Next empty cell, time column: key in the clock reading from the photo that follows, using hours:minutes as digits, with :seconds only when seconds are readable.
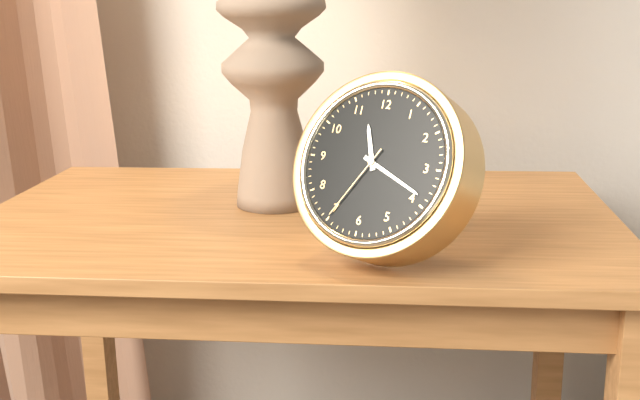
11:19:35
